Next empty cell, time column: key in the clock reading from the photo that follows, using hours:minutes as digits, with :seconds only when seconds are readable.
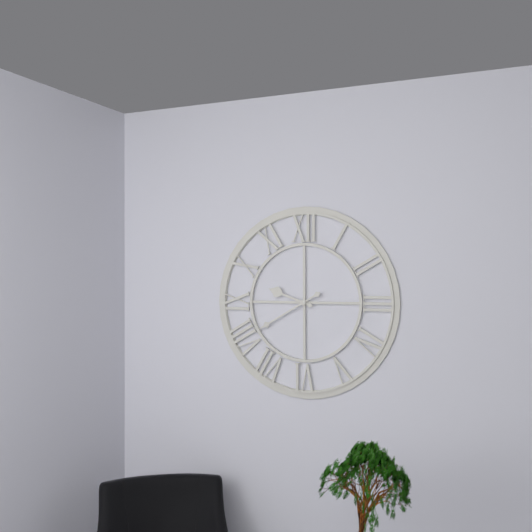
9:40
